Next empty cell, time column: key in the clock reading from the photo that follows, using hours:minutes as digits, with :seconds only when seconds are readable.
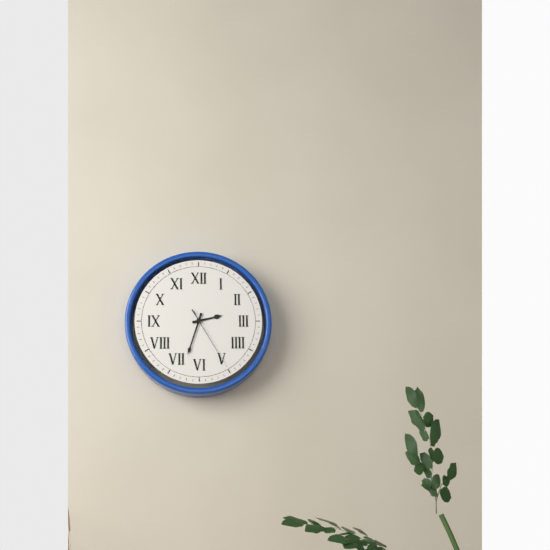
2:33:25
